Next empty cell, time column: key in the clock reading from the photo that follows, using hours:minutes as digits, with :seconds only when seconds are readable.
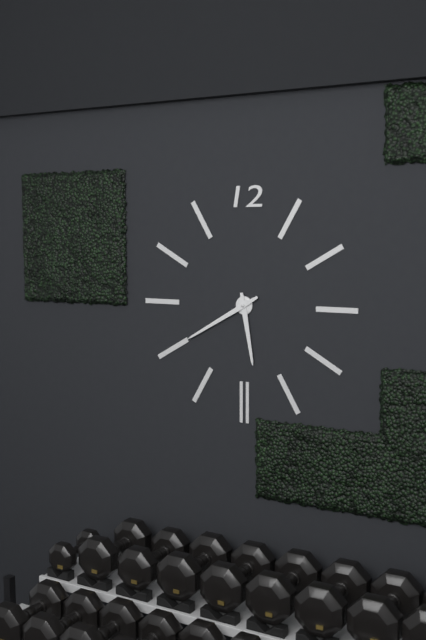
5:40
